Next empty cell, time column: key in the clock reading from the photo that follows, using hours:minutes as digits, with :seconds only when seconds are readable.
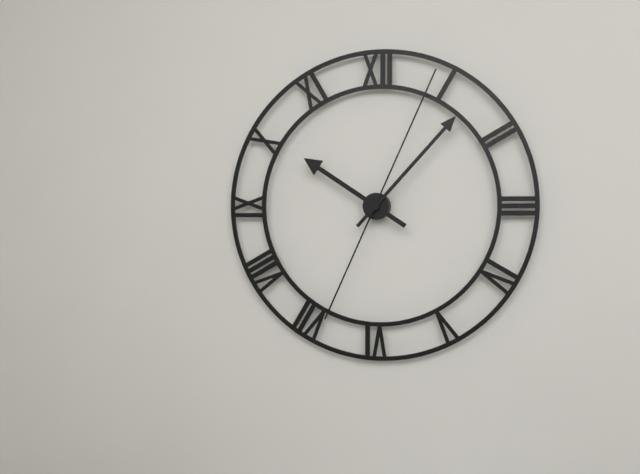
10:07:04
